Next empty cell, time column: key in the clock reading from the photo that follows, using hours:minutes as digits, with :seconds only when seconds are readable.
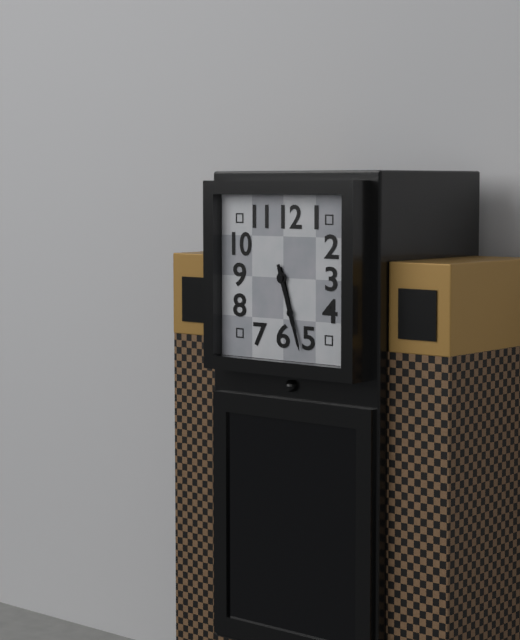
5:27
